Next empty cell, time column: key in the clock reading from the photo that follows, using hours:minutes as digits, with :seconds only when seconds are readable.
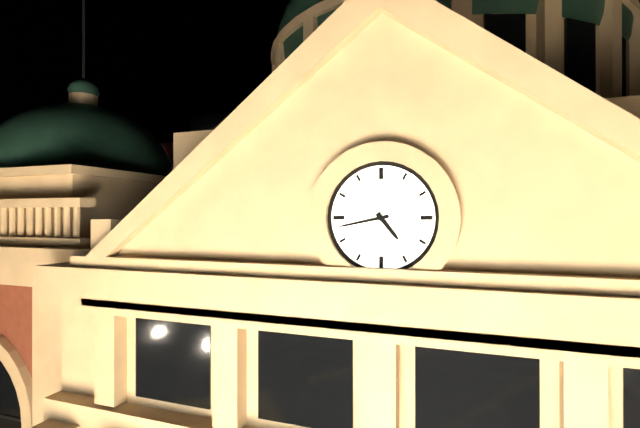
4:43
